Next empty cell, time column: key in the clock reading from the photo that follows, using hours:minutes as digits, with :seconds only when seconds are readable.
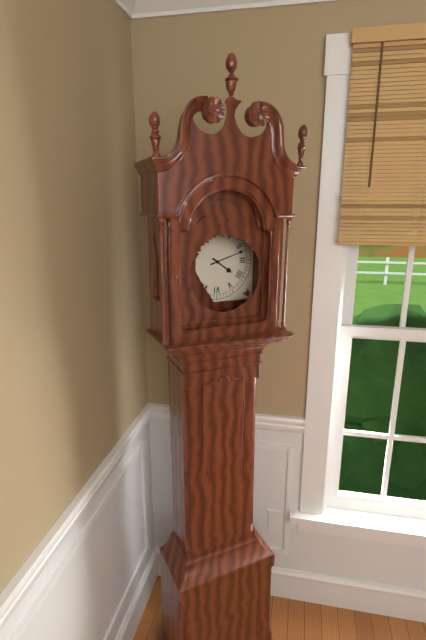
4:12
